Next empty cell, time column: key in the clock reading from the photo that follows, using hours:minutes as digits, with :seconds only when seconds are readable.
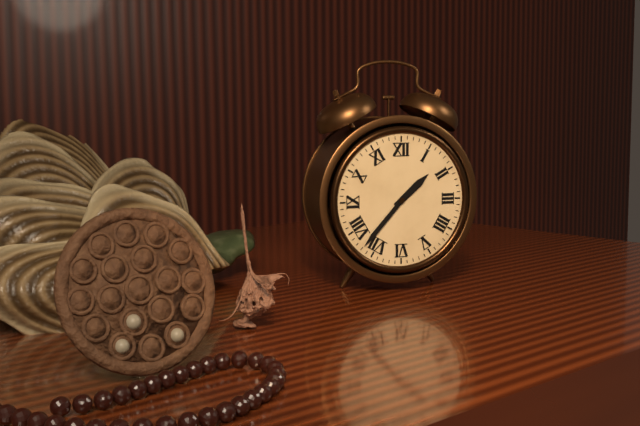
1:37
